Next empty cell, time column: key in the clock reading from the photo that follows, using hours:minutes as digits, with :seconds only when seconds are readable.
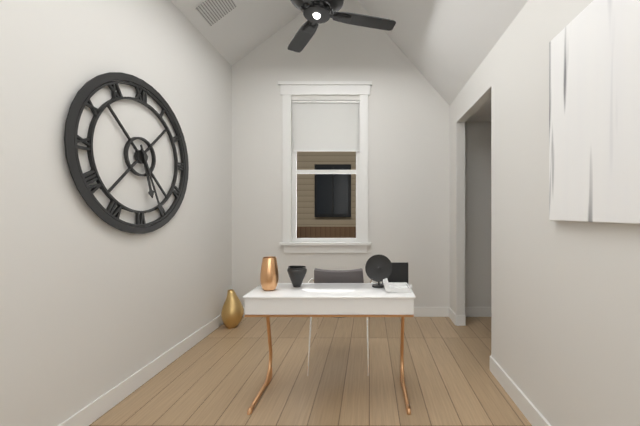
5:26
